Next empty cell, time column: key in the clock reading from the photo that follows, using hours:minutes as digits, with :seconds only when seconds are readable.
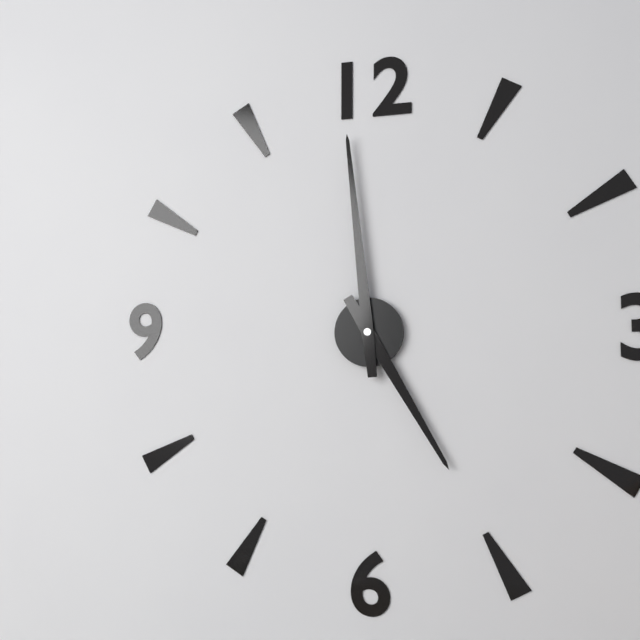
4:59
